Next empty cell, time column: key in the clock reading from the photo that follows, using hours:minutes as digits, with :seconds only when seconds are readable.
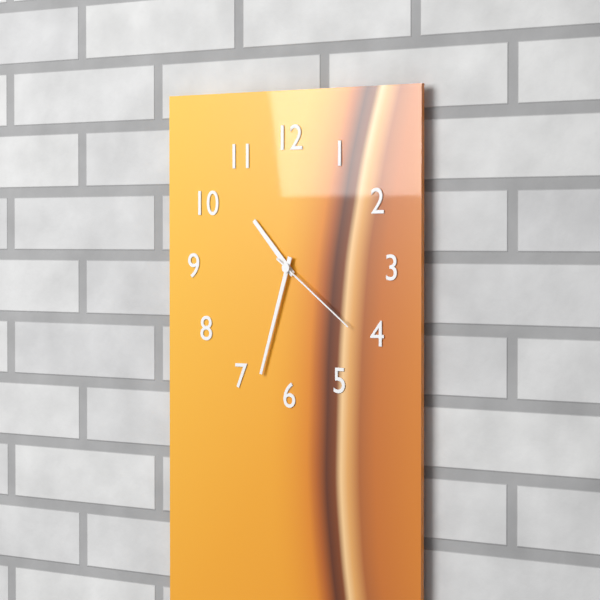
10:33:21
